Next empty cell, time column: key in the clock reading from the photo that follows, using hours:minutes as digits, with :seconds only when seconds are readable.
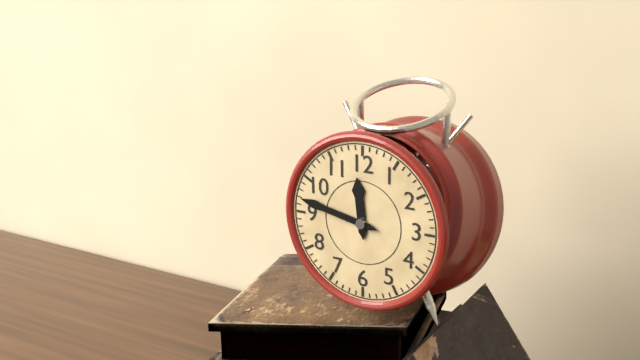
11:47
